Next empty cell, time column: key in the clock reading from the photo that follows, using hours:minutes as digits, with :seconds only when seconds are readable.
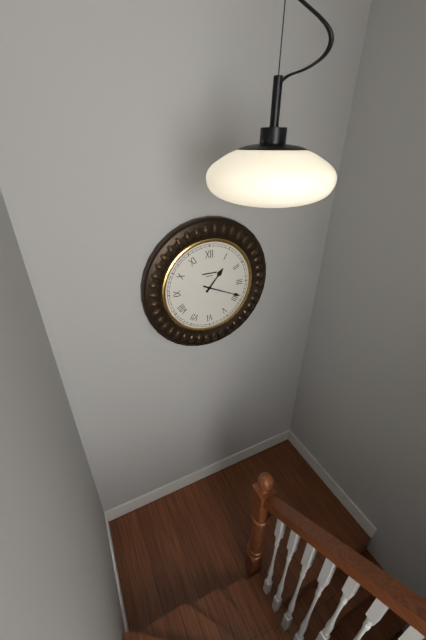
1:19
